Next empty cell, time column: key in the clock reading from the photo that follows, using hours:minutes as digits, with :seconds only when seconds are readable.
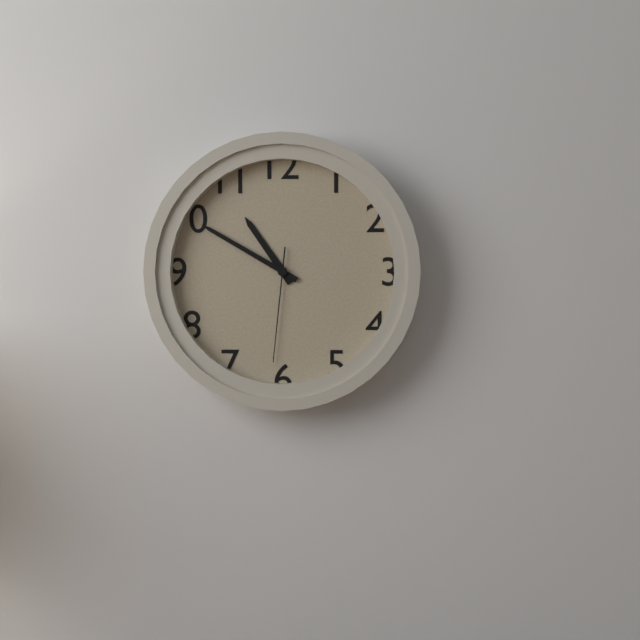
10:50:31
